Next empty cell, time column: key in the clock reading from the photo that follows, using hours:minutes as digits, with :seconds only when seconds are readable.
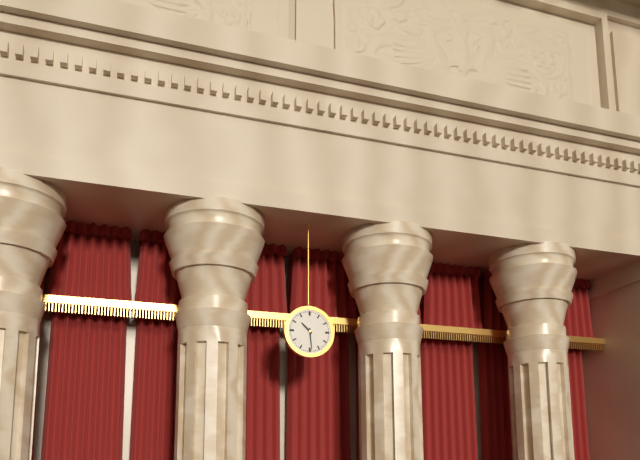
10:29
